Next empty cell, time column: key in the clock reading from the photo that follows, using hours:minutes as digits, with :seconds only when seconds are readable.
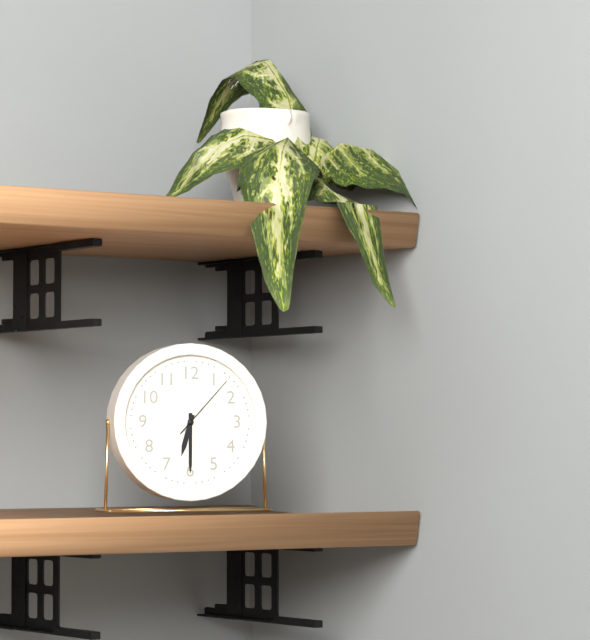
6:30:07
